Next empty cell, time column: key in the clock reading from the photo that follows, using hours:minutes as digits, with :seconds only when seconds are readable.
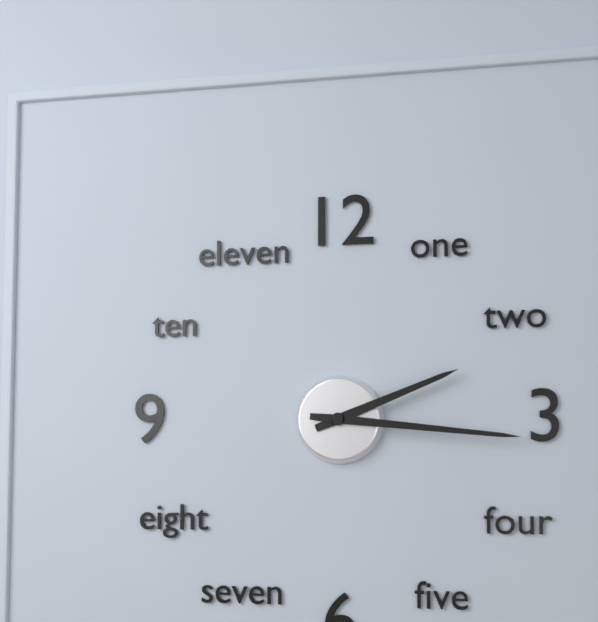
2:16
